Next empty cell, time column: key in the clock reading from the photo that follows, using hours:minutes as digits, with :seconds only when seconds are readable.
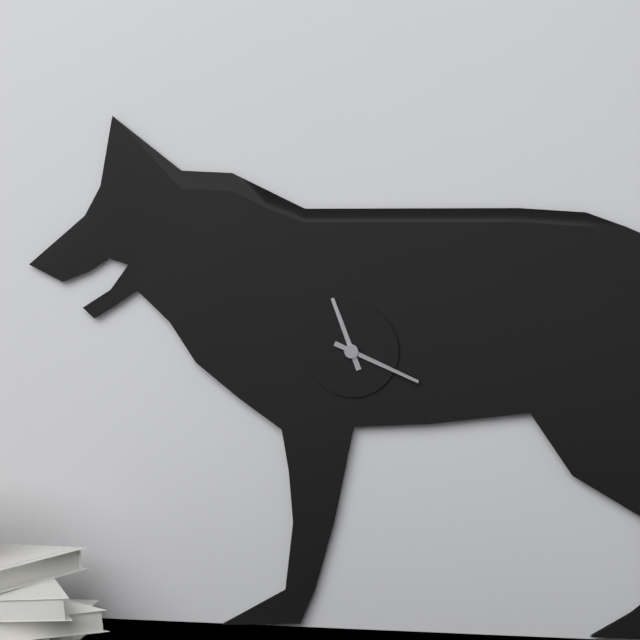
11:19
